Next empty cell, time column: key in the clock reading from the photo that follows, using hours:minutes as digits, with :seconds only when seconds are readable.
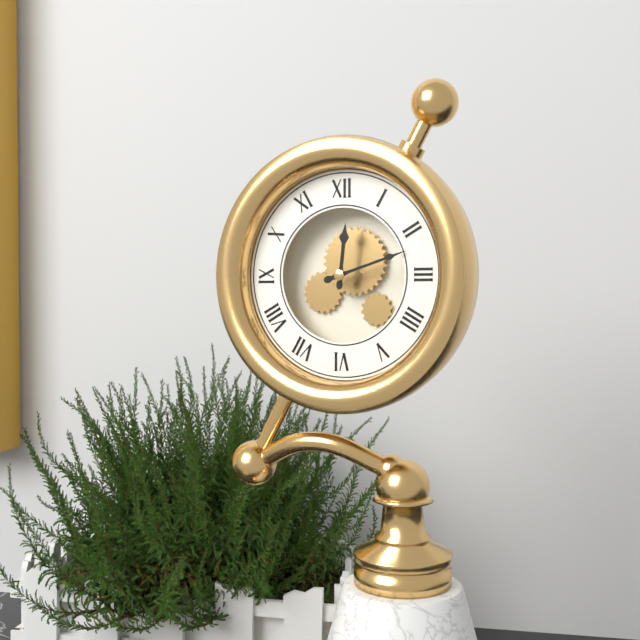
12:12
